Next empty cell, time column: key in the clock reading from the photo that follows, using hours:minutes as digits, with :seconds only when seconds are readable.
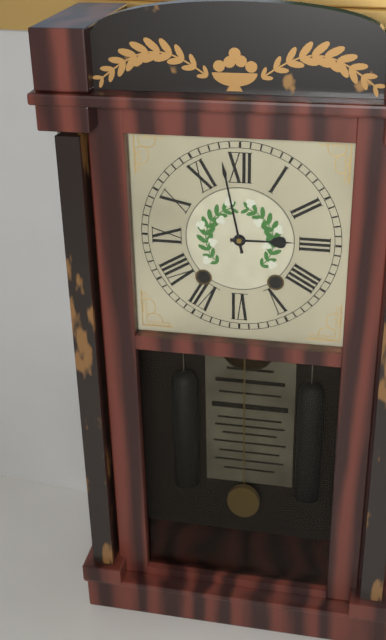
2:58
